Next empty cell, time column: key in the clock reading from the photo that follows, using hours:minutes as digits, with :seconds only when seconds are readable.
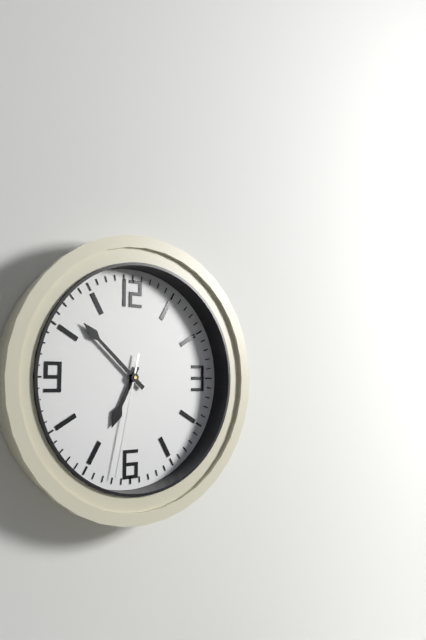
6:52:32
